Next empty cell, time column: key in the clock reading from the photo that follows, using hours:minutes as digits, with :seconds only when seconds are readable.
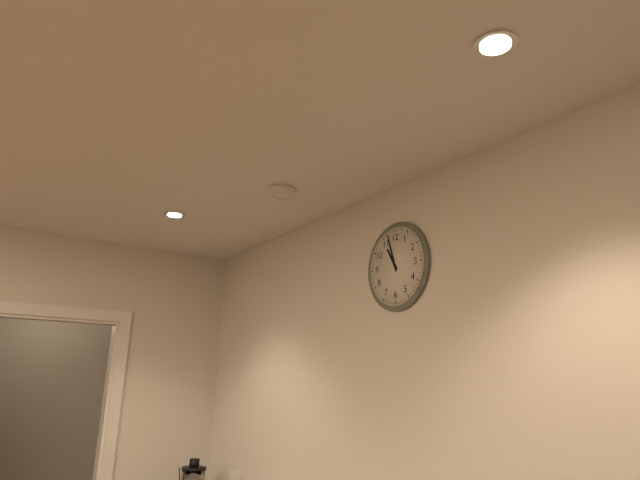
10:57
